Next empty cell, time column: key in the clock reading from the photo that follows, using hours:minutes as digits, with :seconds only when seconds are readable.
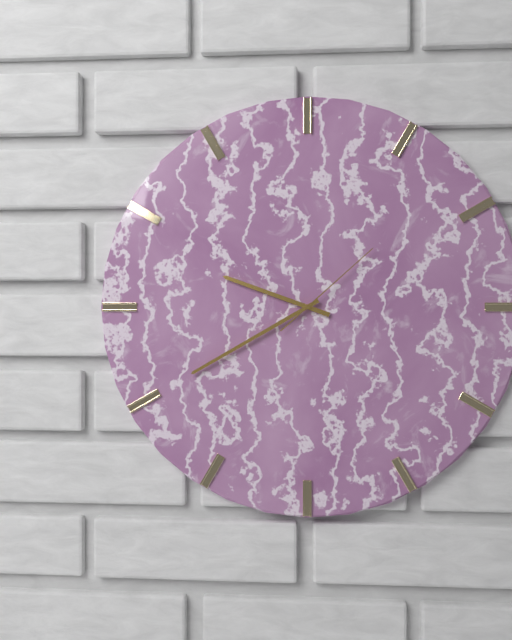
9:40:08
